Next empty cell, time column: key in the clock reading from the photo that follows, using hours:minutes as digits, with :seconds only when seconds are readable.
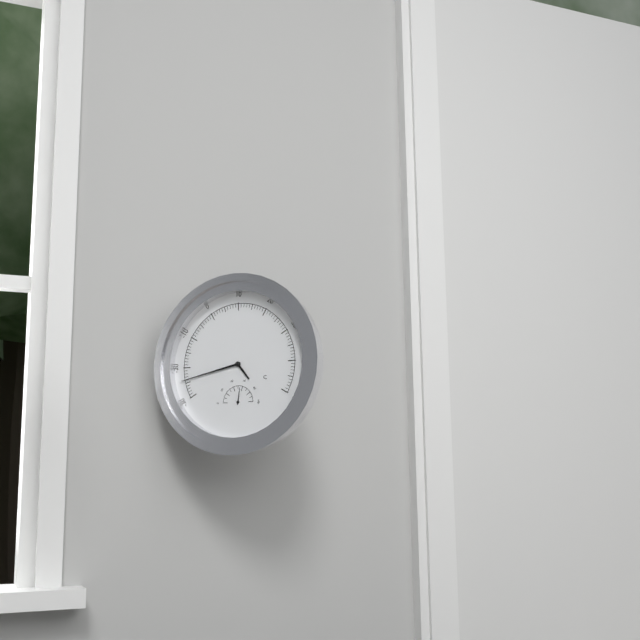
4:43
